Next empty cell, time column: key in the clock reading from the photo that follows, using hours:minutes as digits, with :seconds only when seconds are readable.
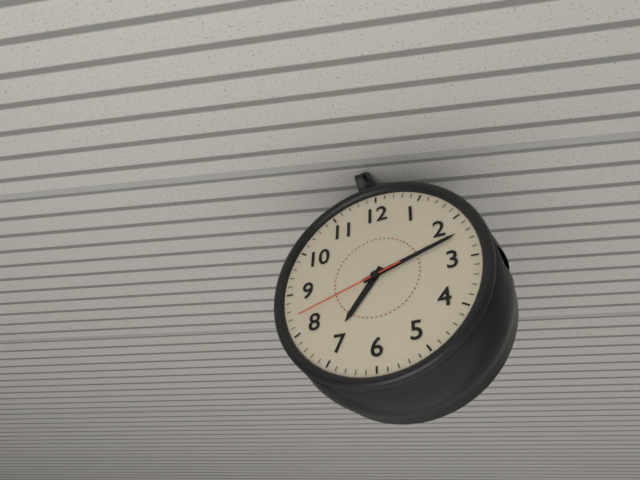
7:12:42
